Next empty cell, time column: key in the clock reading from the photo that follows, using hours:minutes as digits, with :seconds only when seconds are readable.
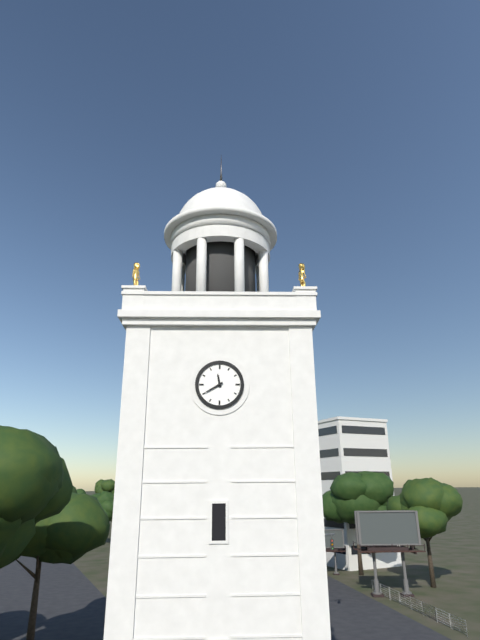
11:40
